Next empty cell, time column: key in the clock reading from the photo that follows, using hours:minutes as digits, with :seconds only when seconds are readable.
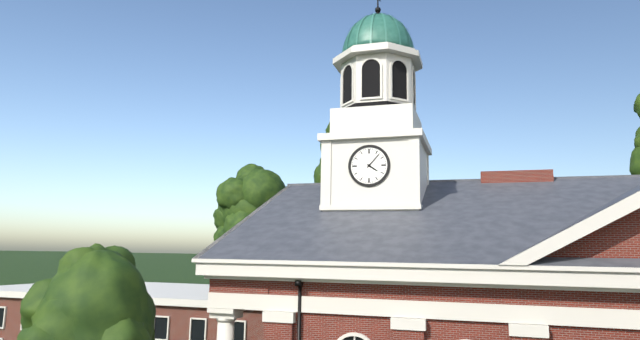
4:07
